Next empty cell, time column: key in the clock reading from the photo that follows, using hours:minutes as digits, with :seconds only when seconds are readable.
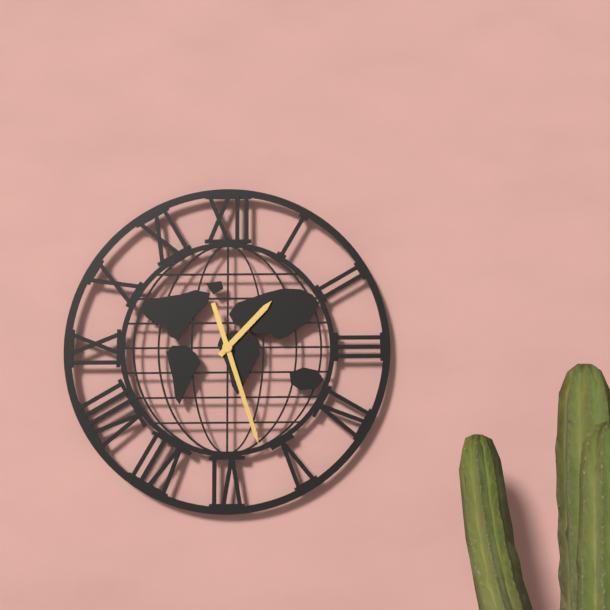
1:27
